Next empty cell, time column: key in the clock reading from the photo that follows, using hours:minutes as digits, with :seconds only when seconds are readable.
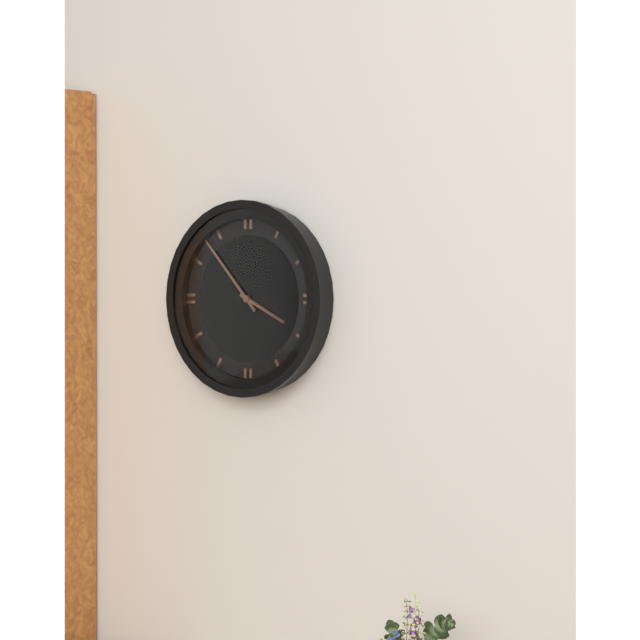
3:53
